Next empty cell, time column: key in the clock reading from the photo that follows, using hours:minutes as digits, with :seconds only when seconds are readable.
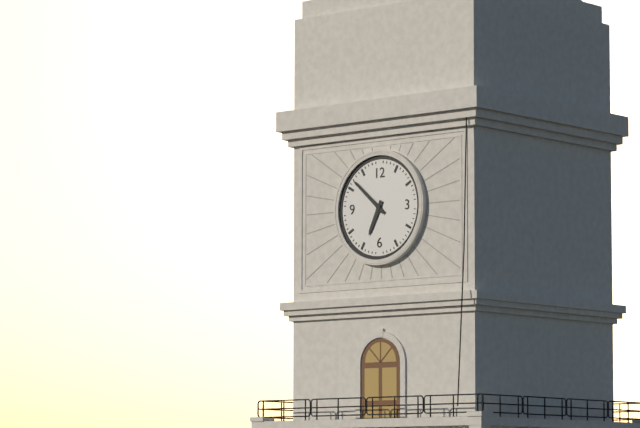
6:52
